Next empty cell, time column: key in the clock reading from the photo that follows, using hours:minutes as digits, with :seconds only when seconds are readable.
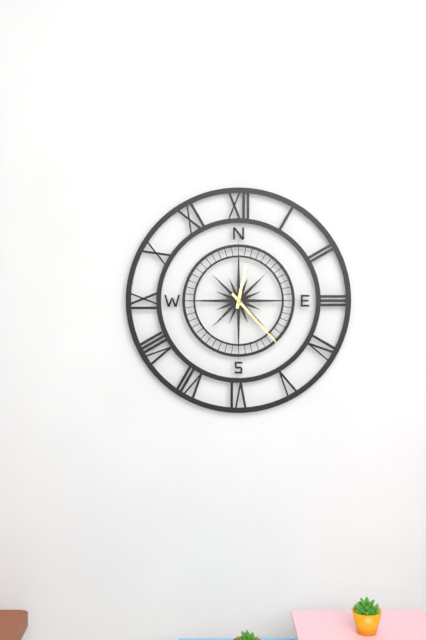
12:23
